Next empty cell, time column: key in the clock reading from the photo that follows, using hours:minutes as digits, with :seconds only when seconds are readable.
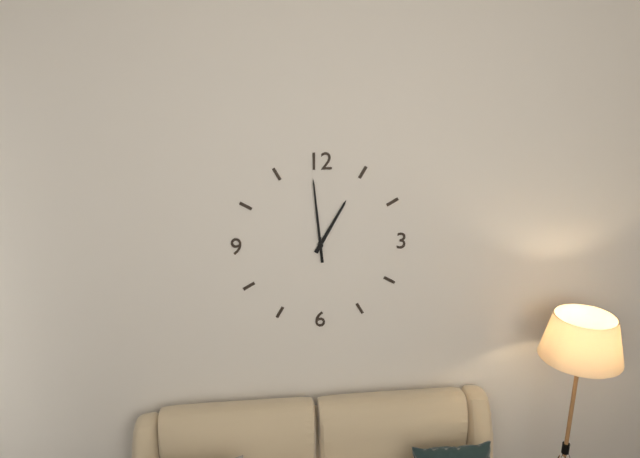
12:59
